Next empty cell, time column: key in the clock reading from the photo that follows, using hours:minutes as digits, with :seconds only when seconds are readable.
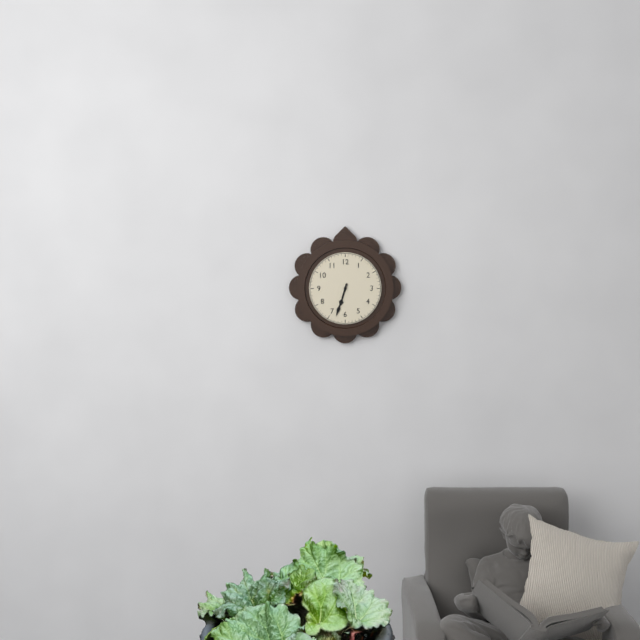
6:33
